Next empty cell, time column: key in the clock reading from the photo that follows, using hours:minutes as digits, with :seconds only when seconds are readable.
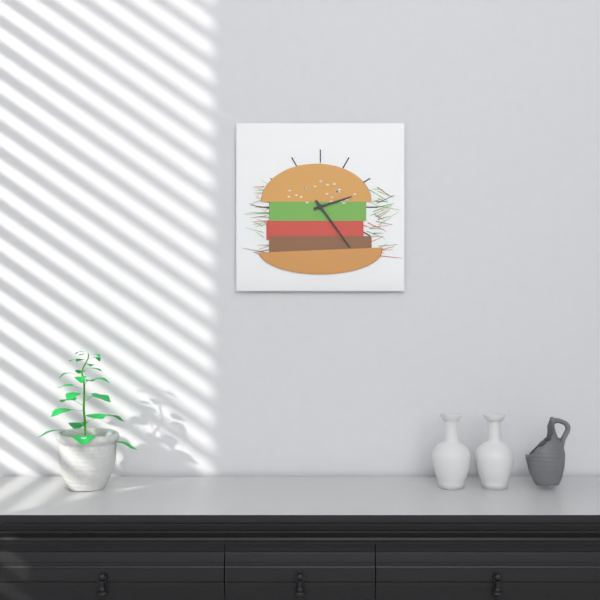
2:24
